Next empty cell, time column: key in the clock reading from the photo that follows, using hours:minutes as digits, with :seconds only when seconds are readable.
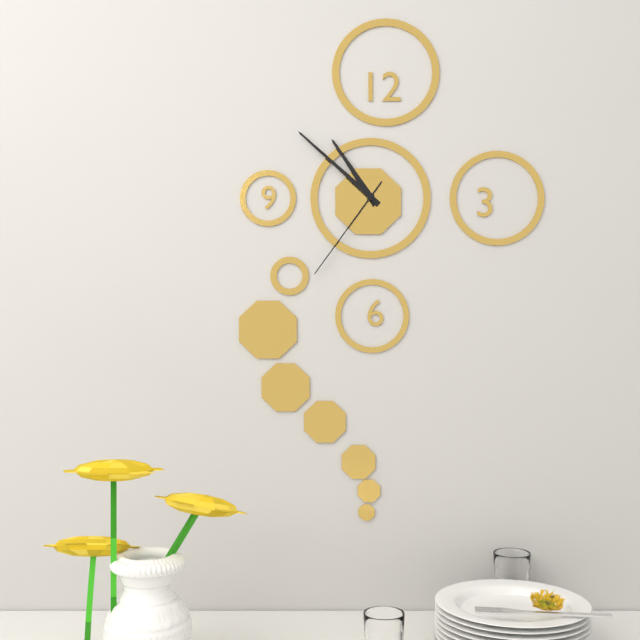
10:52:36
